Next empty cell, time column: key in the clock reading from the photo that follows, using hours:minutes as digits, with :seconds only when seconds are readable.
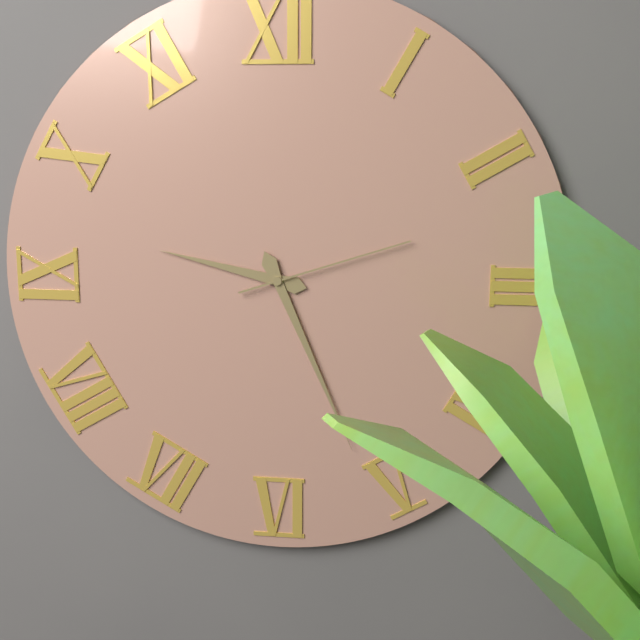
9:26:12
